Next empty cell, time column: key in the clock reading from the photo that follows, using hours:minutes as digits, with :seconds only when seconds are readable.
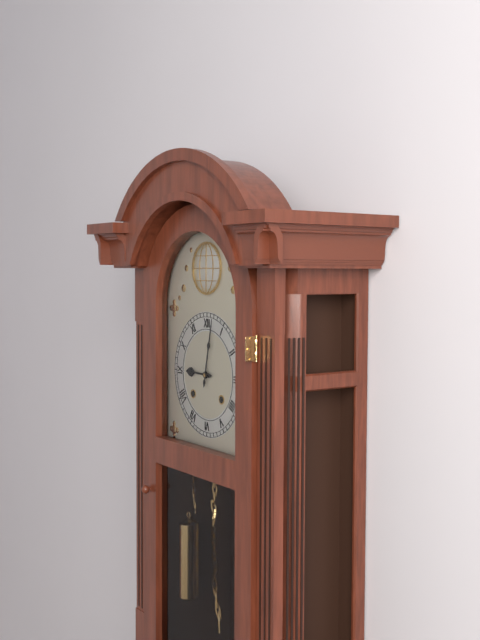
9:02
